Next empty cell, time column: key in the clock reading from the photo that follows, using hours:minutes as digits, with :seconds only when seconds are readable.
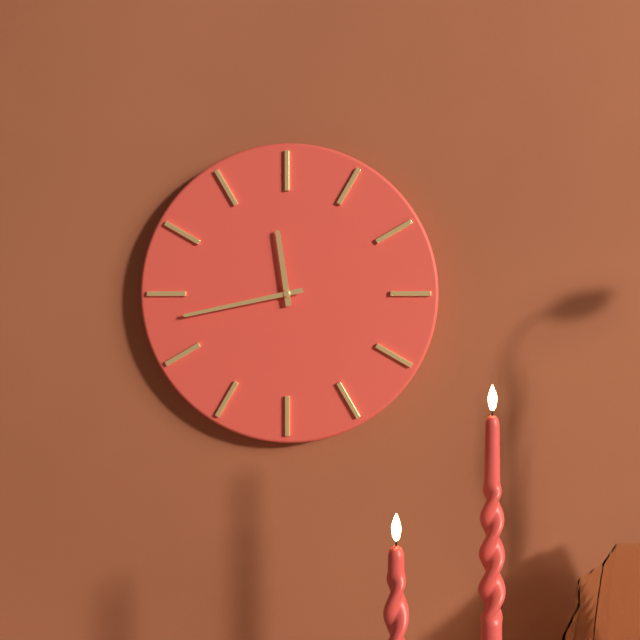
11:43
